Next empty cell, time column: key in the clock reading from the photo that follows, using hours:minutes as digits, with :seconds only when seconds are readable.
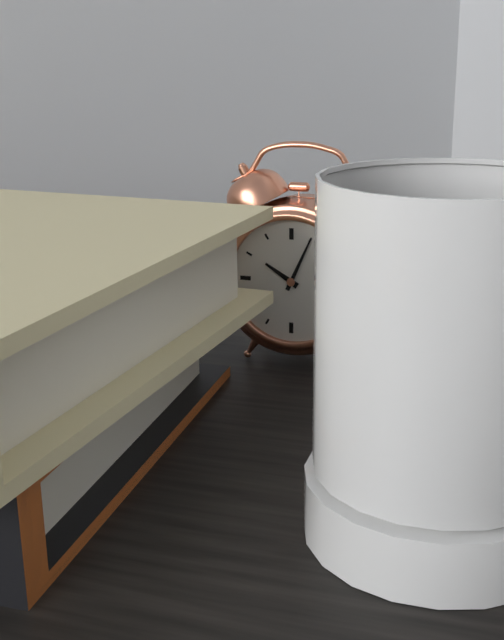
10:04
